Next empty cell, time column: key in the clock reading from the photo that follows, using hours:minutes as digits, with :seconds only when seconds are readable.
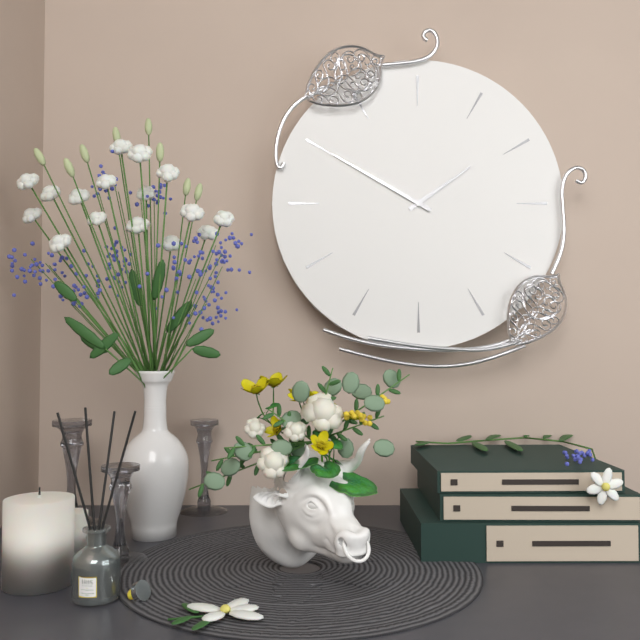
1:50
